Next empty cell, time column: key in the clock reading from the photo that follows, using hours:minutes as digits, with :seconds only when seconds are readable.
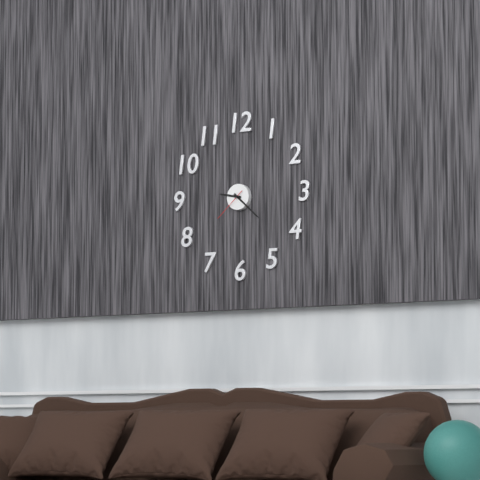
9:22
